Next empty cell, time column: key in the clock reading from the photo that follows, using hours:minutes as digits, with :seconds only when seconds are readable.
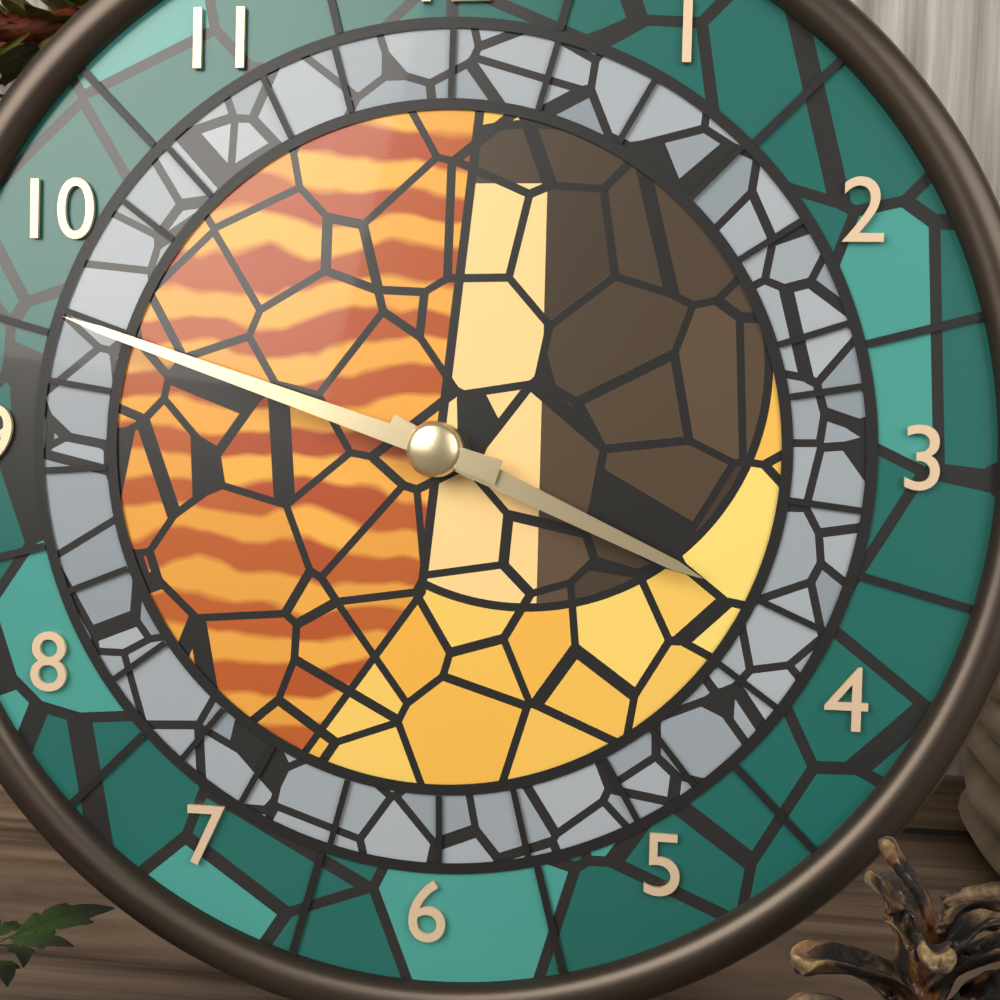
3:48
